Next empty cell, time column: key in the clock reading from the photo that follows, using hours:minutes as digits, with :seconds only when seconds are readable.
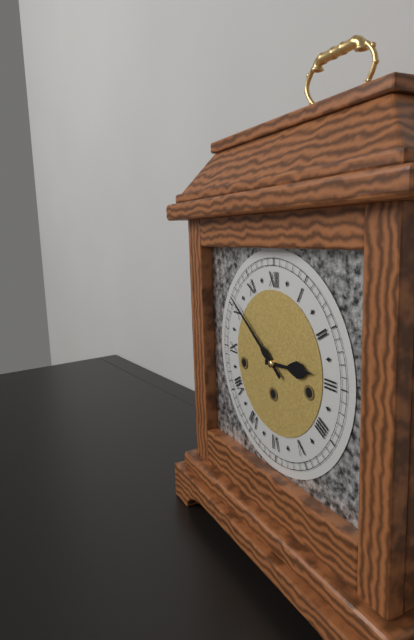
2:51
